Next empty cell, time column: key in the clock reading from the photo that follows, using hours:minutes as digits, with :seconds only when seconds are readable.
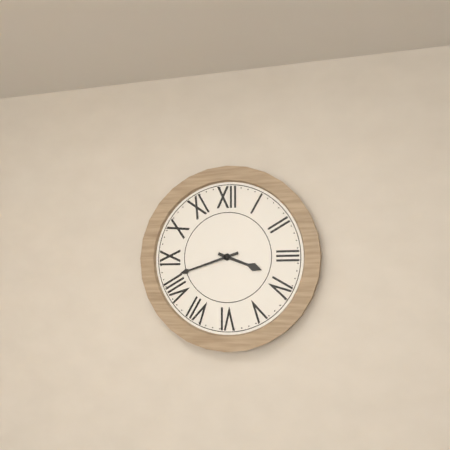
3:42
